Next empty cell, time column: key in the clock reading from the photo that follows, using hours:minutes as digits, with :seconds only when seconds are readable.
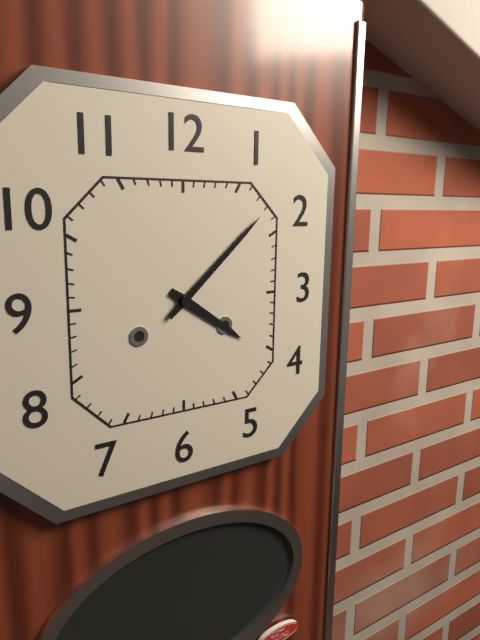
4:08
